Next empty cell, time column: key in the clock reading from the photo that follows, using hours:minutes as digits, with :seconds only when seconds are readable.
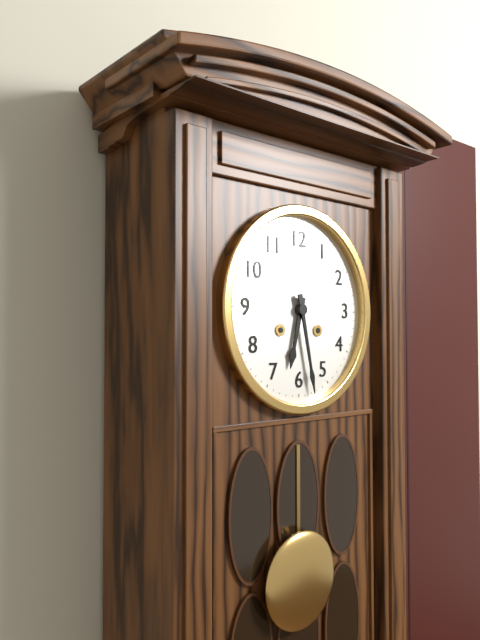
6:28
